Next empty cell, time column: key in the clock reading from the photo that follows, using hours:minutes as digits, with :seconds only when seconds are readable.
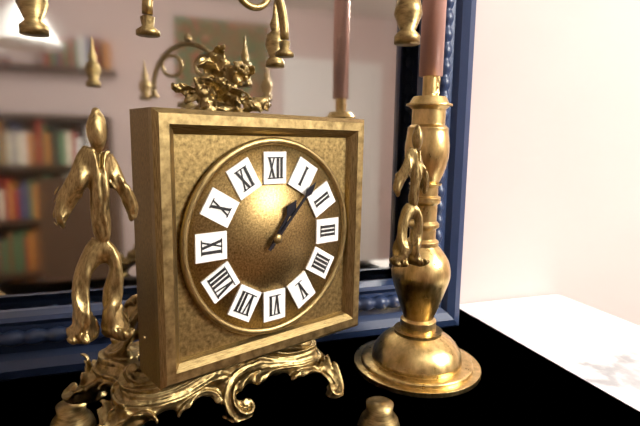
1:07
